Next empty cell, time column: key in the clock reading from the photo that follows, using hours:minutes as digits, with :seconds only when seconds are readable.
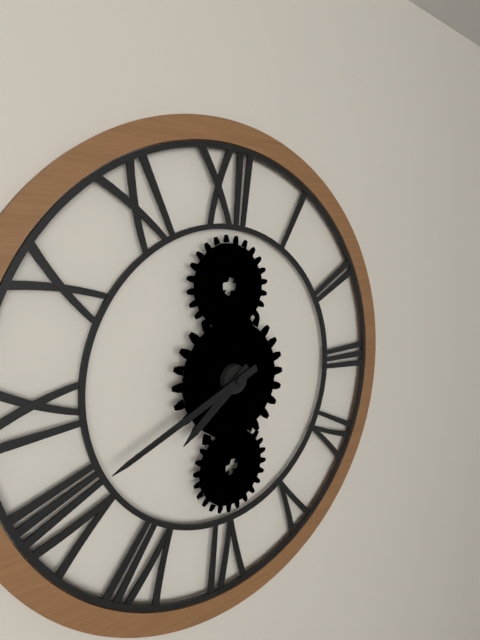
7:41
